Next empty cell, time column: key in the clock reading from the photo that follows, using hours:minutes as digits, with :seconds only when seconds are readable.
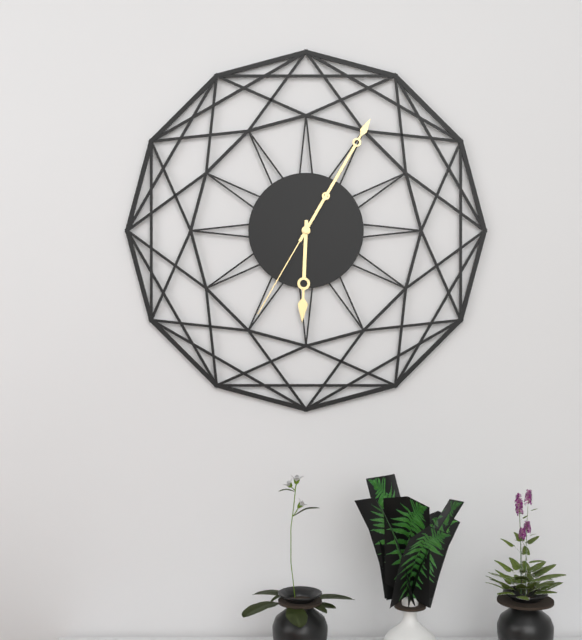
6:05:35
